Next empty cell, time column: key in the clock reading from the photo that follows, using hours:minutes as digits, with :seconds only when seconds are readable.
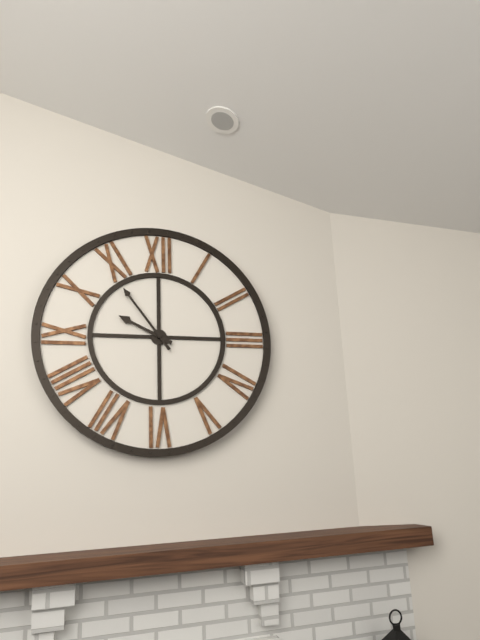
9:54
